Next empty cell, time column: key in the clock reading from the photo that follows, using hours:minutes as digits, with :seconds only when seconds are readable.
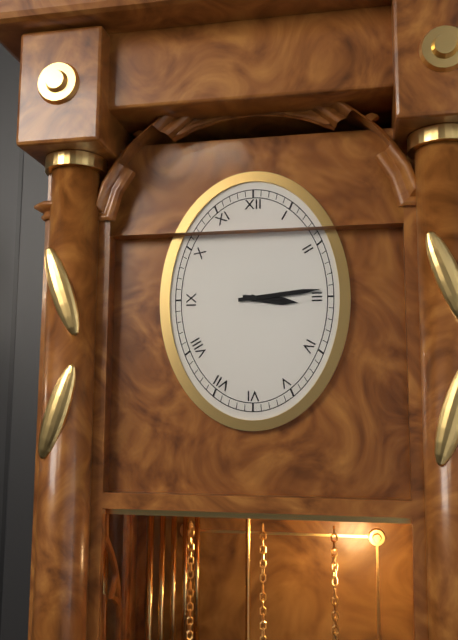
3:14
